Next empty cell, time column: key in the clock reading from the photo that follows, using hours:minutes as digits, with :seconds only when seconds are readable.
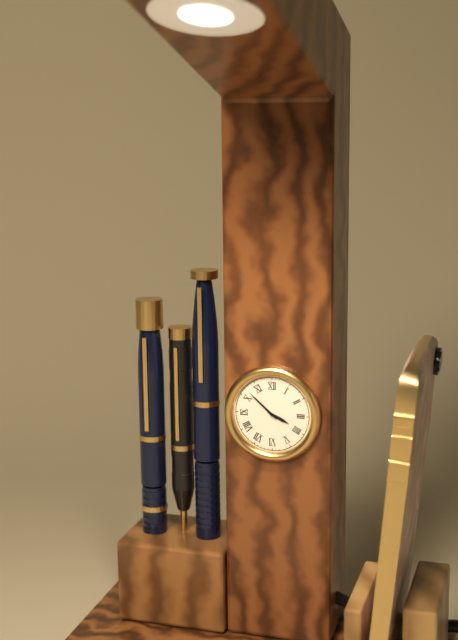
3:52
